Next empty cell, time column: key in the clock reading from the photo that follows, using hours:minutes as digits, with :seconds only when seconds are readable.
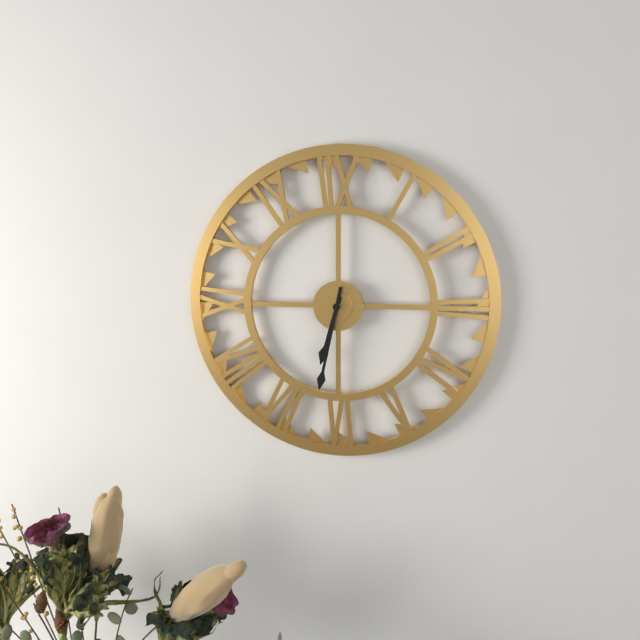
6:32
